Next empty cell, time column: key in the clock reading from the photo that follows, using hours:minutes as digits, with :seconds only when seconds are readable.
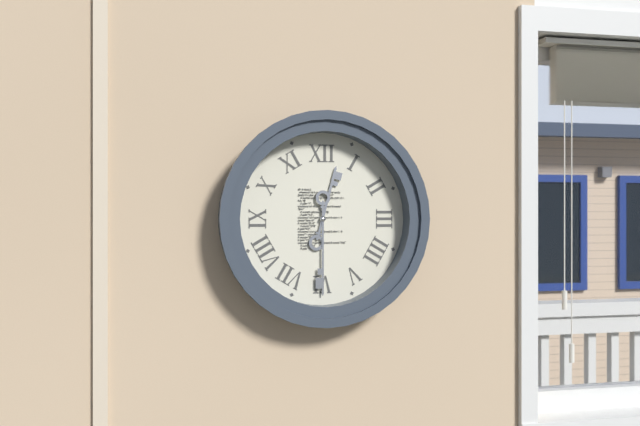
12:30
